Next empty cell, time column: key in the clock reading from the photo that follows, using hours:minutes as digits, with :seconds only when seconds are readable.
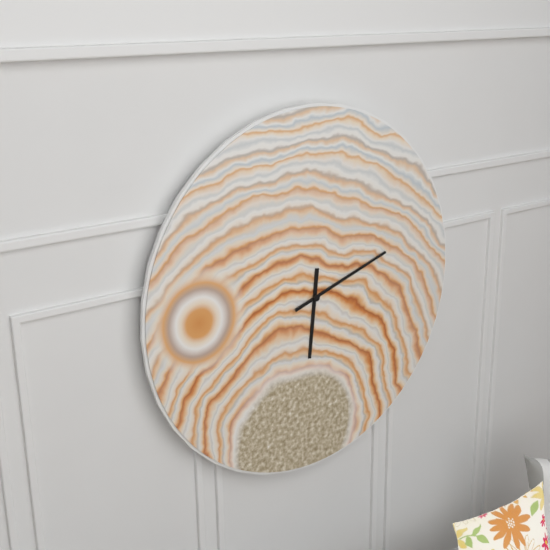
6:12
